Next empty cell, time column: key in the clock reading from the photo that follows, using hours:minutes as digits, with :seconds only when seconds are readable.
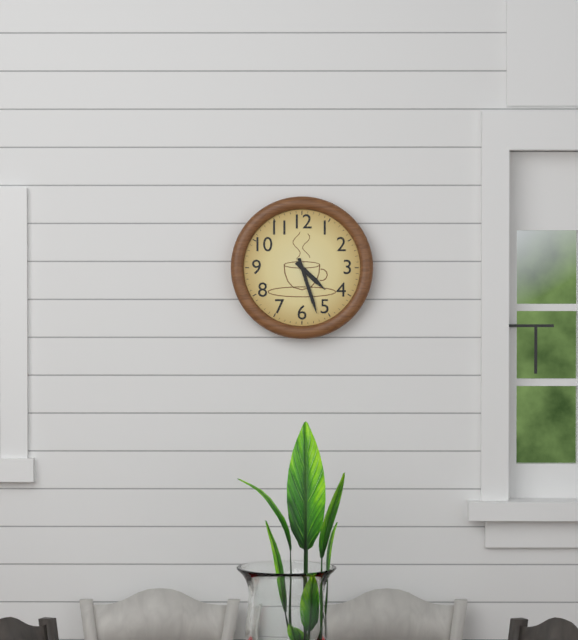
4:27
